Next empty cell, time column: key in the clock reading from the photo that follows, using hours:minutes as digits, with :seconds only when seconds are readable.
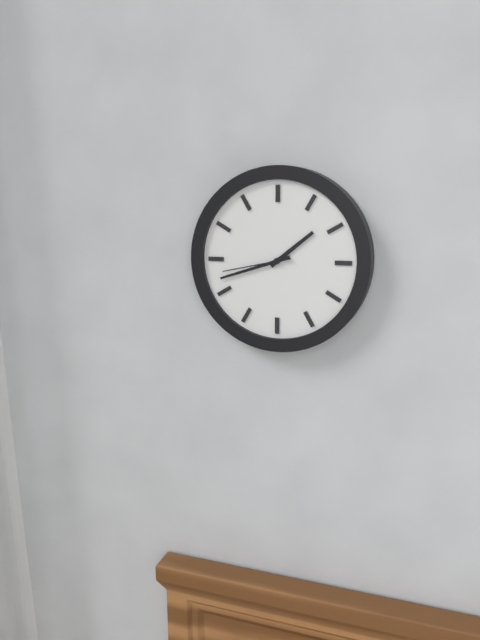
1:42:43
